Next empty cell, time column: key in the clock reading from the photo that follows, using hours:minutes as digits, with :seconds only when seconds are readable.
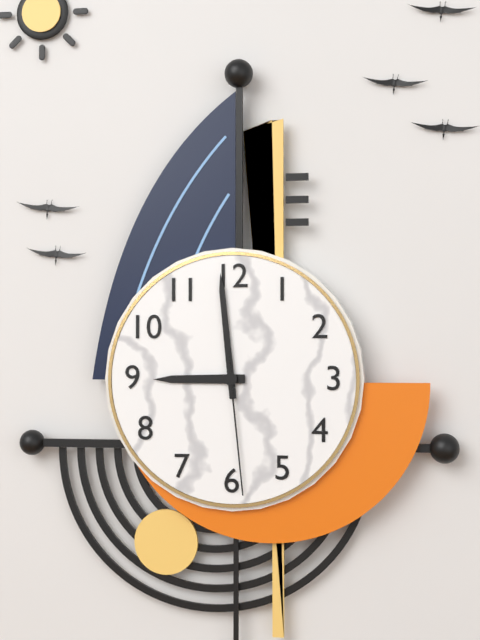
8:59:29
